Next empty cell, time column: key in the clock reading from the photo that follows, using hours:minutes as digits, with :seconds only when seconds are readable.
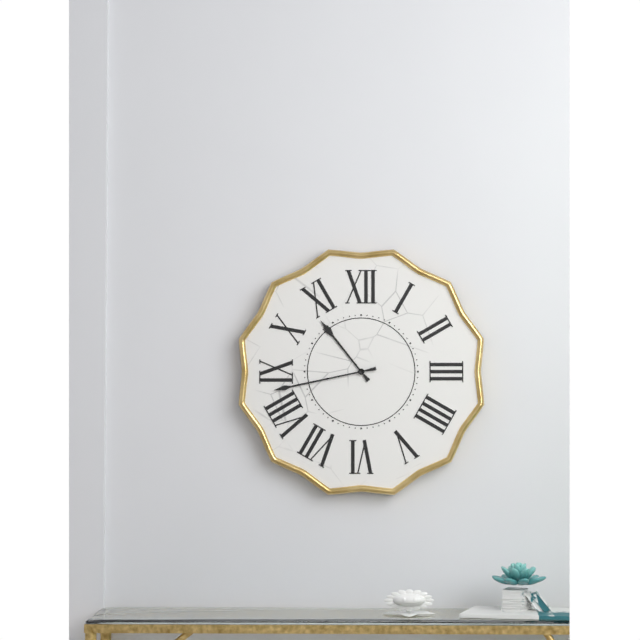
10:43
